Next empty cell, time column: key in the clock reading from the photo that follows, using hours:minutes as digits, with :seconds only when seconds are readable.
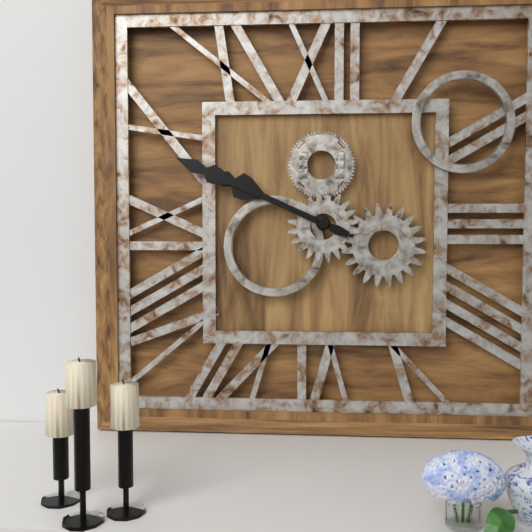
9:49
